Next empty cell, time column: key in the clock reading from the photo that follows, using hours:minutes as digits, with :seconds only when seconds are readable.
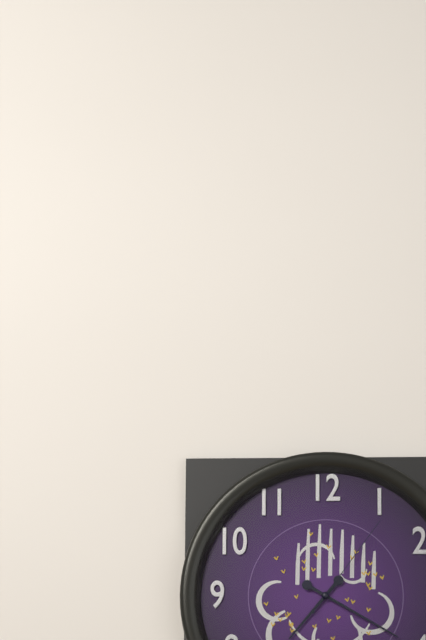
7:20:06
